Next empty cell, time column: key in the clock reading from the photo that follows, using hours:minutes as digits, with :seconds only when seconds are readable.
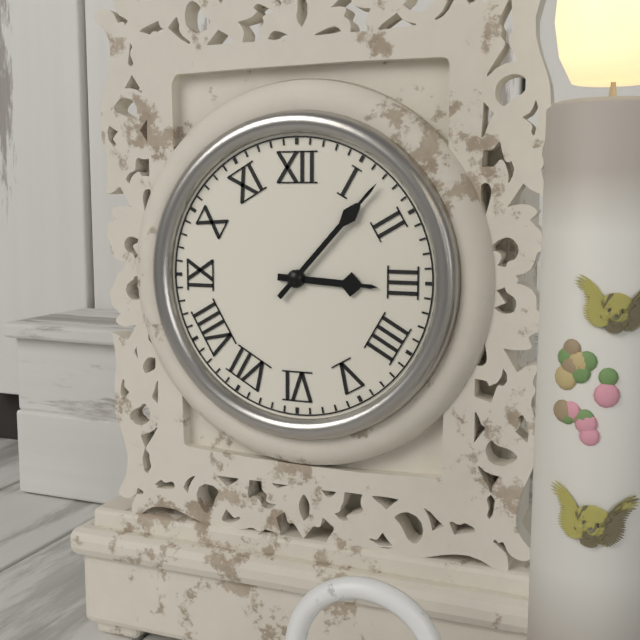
3:07
